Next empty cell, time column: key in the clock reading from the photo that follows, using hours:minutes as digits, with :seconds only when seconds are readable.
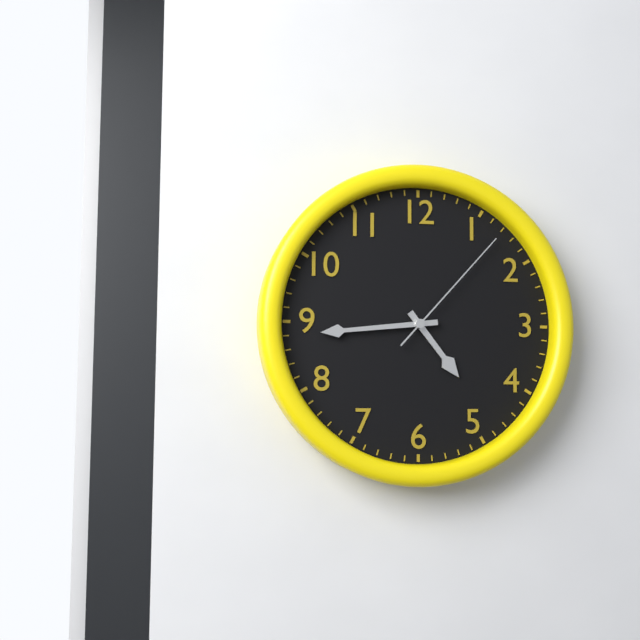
4:44:07
